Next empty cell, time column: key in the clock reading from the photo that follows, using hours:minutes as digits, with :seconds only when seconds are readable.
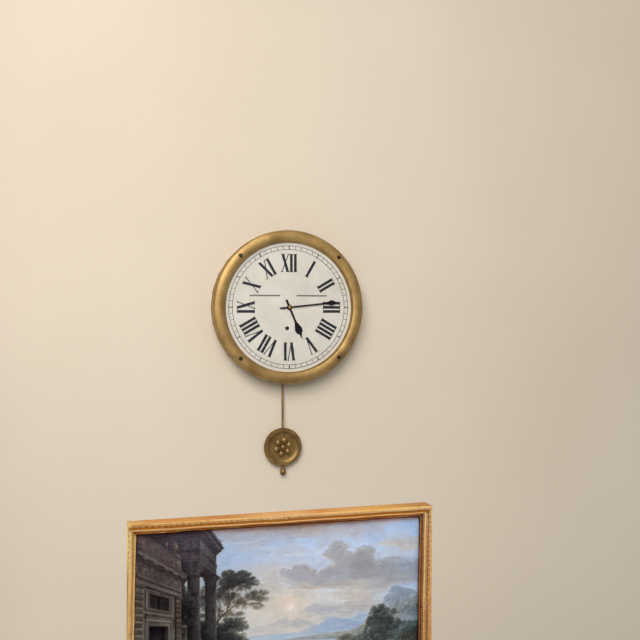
5:14
